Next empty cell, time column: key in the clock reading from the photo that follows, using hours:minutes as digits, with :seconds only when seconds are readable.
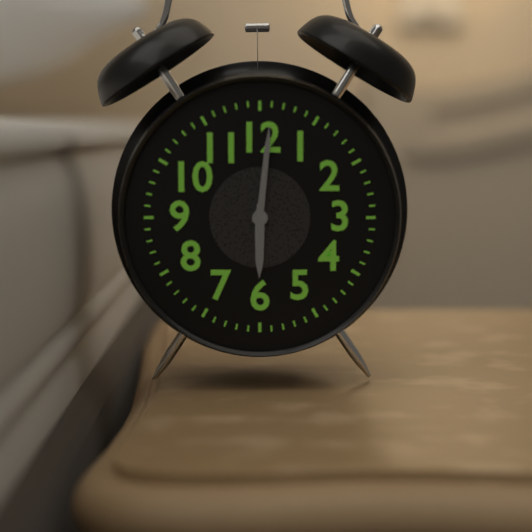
6:01
